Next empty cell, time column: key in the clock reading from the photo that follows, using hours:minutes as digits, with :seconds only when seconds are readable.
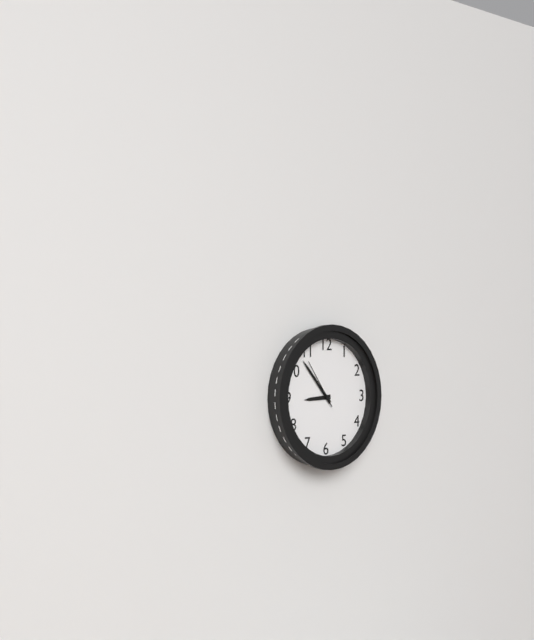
8:53:54
